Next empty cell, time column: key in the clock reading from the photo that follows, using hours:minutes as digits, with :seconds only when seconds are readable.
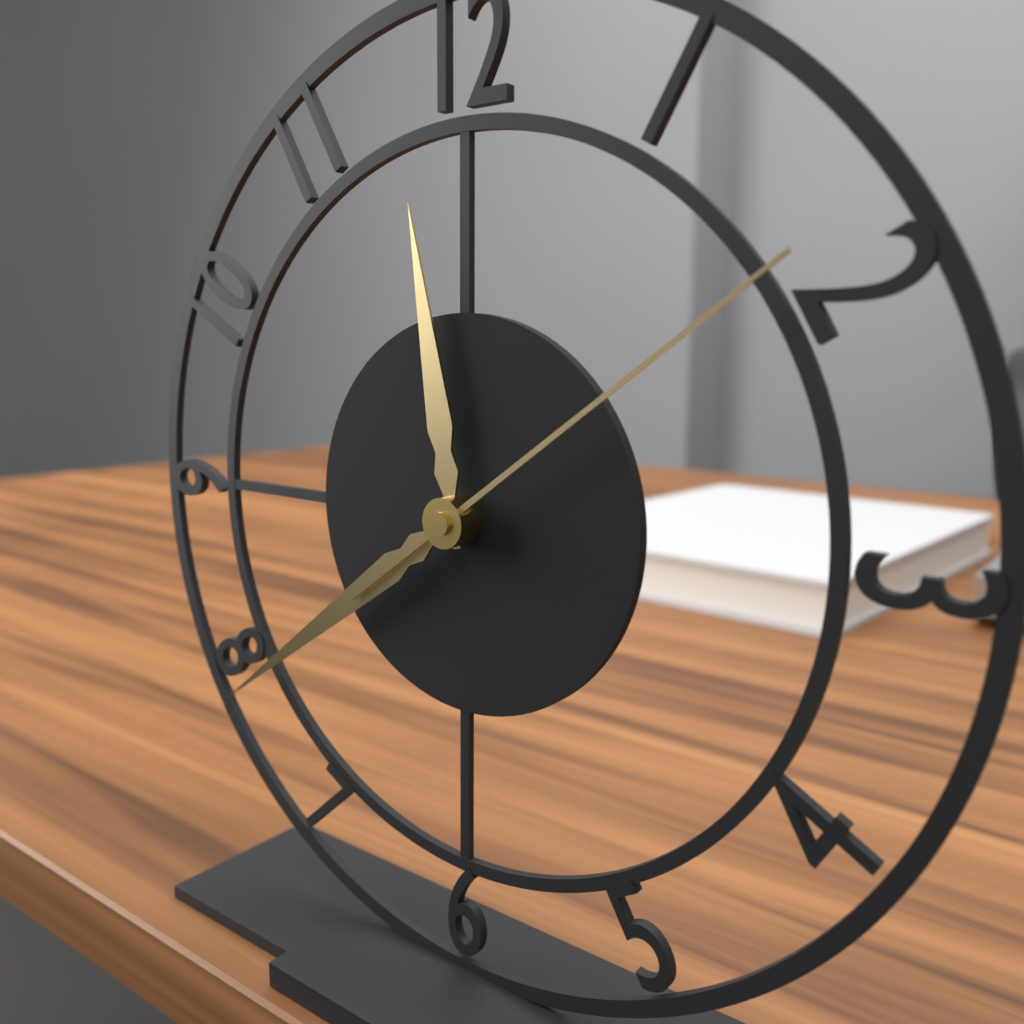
11:39:09
